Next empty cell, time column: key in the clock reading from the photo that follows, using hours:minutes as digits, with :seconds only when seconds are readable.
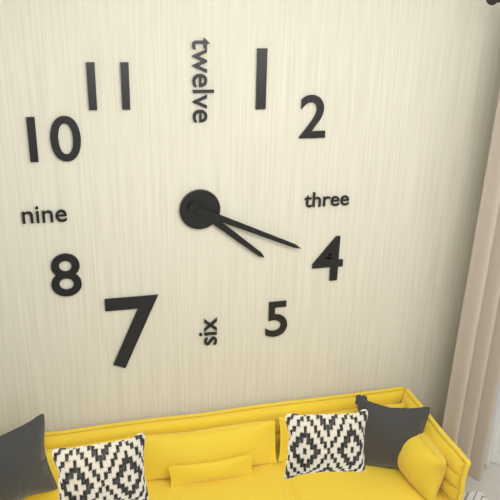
4:19
